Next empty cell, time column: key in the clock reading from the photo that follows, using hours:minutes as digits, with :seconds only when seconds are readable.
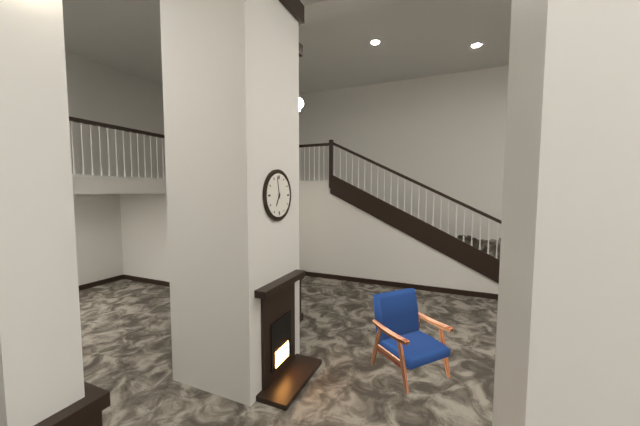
6:58
